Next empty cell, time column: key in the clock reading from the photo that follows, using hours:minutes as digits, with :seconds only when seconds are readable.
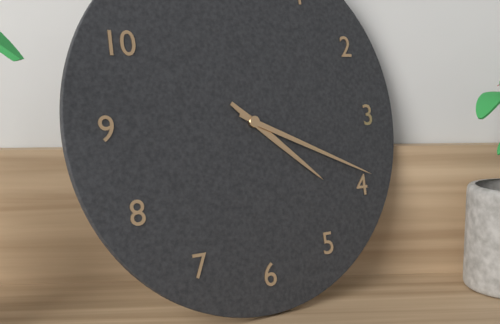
4:19
